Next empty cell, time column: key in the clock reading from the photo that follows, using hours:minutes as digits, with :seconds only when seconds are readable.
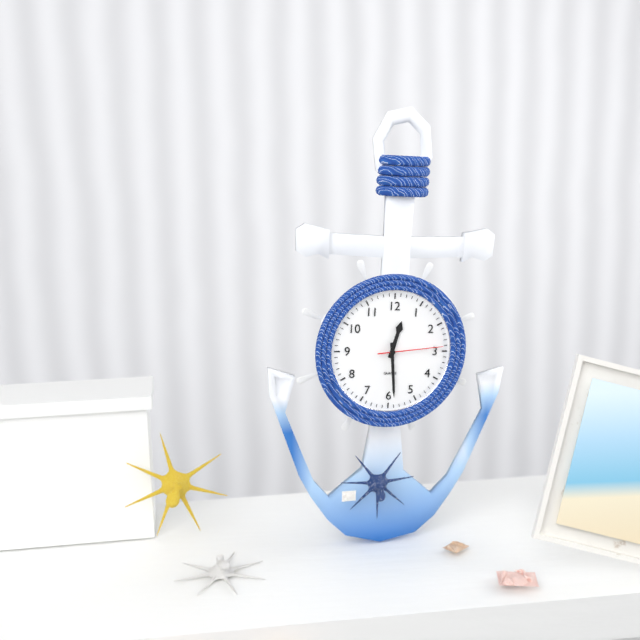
12:29:14
